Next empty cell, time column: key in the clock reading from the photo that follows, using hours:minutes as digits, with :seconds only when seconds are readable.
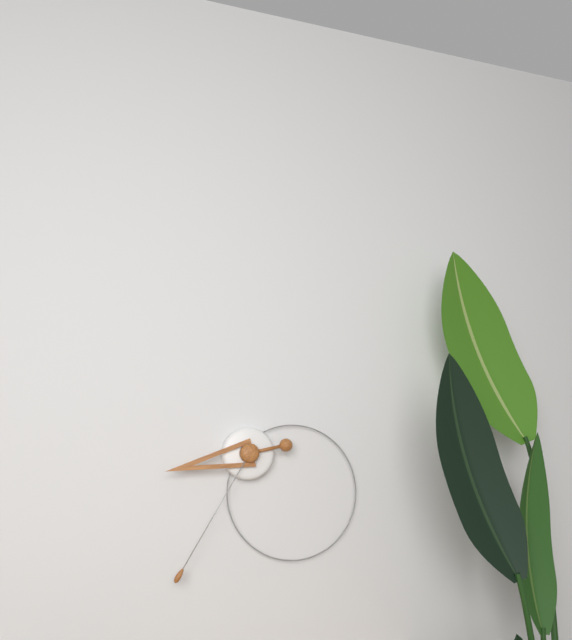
8:35
